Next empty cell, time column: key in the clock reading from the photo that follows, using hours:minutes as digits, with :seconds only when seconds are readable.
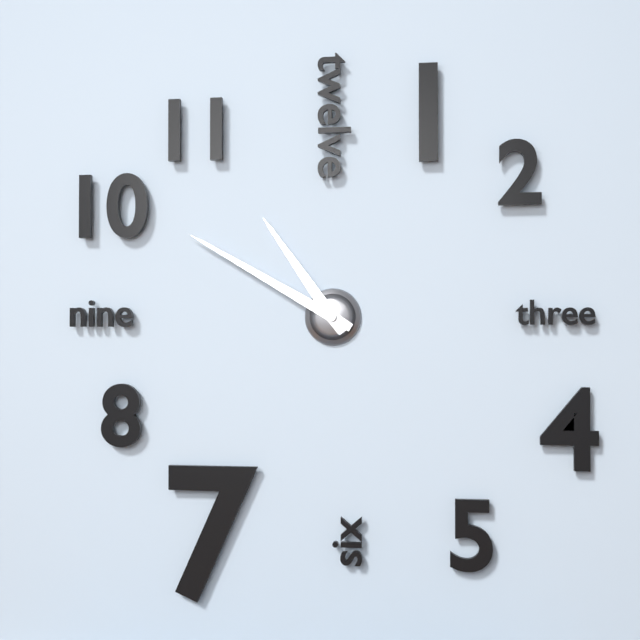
10:50
